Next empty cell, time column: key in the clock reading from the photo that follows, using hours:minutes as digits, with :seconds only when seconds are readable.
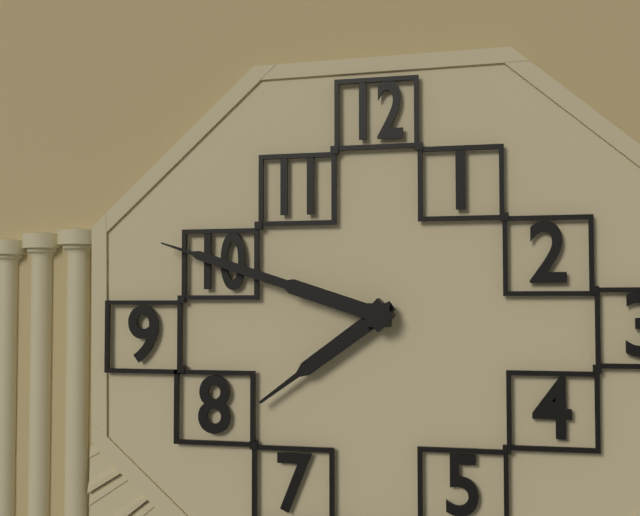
7:48
